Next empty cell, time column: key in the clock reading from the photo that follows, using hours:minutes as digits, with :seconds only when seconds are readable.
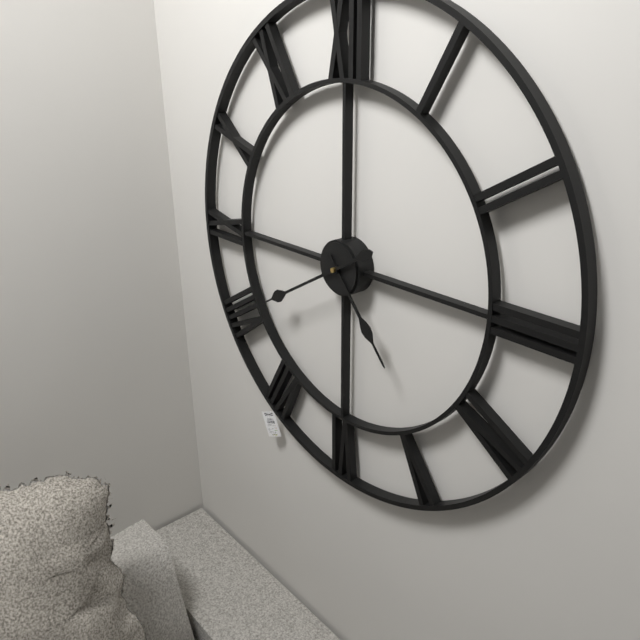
4:40
